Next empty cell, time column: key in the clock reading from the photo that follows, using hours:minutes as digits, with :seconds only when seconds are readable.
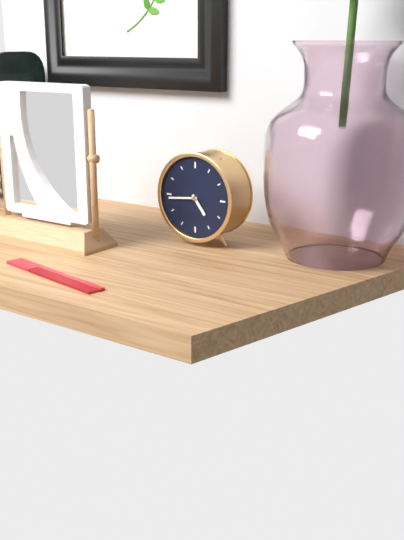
4:44
